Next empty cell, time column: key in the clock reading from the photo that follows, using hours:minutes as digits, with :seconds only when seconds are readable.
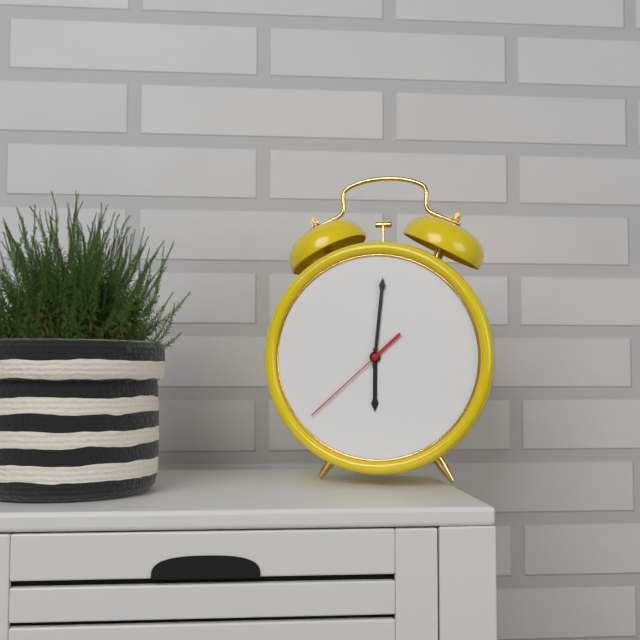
6:01:38
